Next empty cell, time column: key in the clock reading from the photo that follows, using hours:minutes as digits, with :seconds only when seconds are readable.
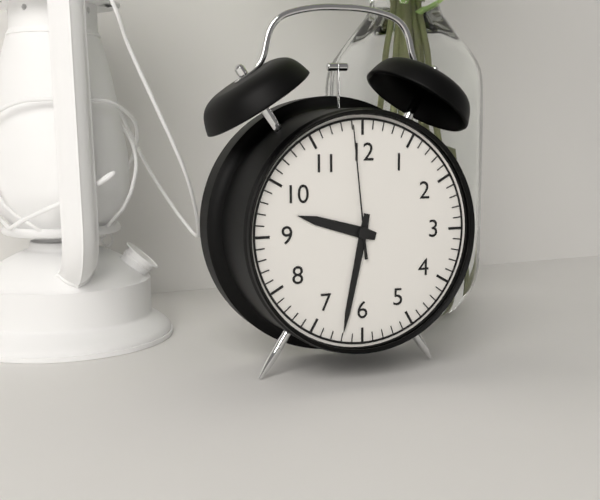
9:32:59
